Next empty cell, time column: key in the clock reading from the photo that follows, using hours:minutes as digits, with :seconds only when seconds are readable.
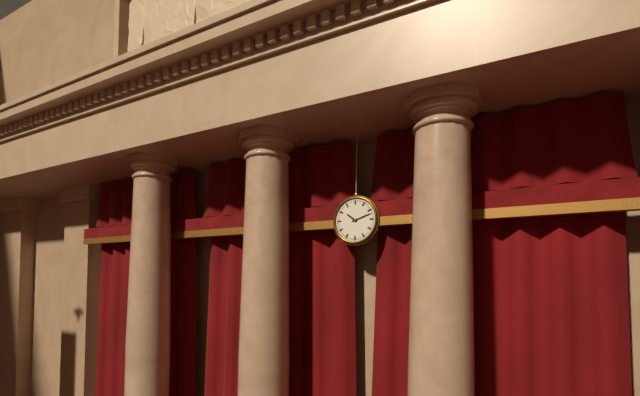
10:12
